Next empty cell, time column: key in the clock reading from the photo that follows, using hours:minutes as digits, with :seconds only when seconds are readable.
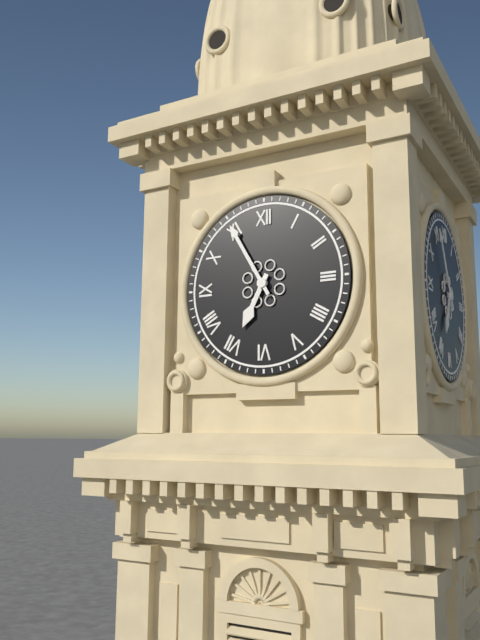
6:55
